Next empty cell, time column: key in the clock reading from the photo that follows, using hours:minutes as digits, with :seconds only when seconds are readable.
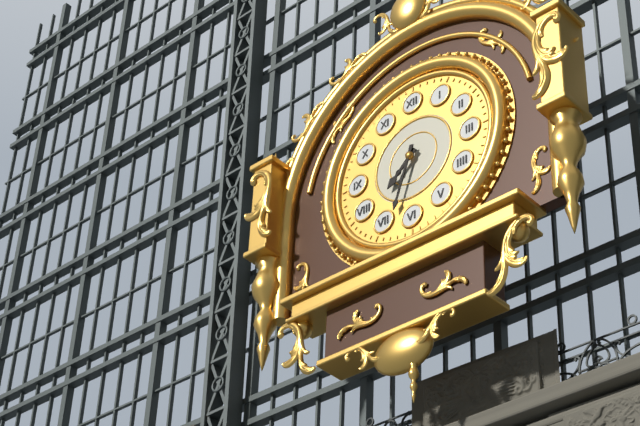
7:33
